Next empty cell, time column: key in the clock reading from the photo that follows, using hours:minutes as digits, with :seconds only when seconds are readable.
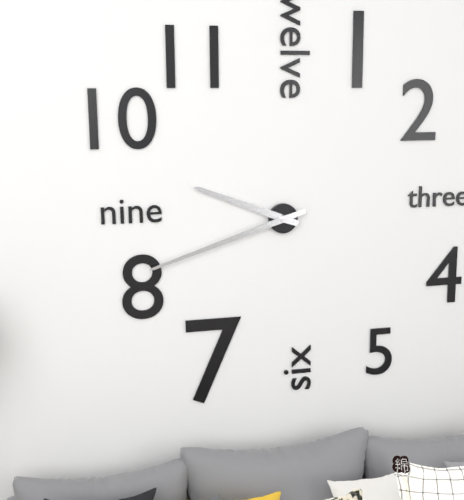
9:42
